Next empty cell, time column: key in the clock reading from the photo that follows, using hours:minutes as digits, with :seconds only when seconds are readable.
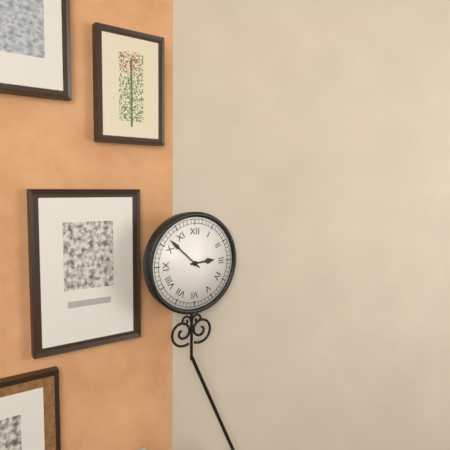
2:52
